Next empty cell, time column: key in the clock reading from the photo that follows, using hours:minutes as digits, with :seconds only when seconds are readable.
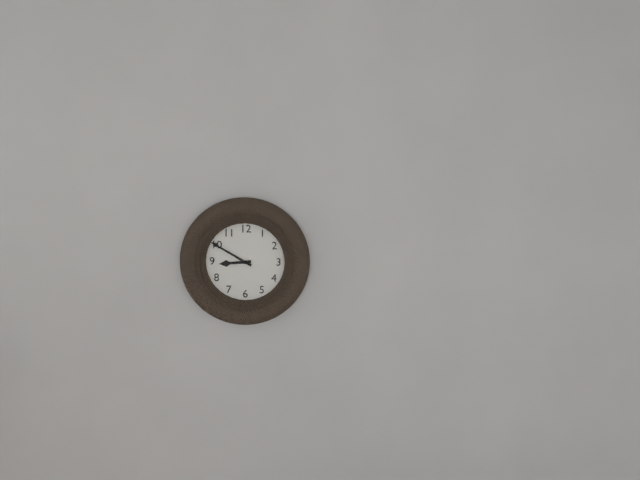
8:50
